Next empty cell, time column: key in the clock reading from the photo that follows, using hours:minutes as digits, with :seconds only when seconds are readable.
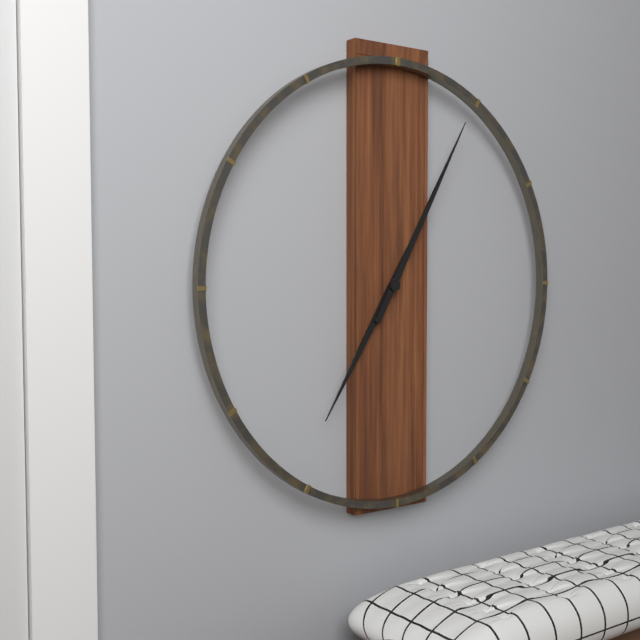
7:05
